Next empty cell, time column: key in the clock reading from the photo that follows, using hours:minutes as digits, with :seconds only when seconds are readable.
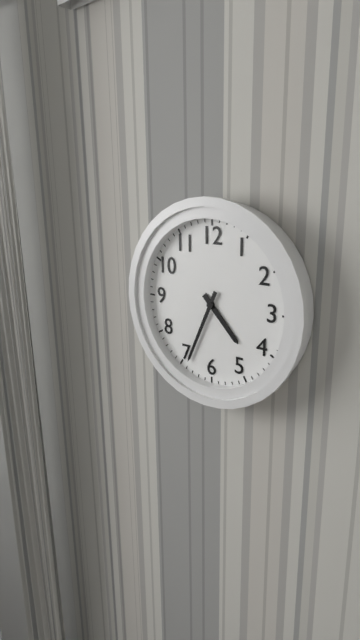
4:34
